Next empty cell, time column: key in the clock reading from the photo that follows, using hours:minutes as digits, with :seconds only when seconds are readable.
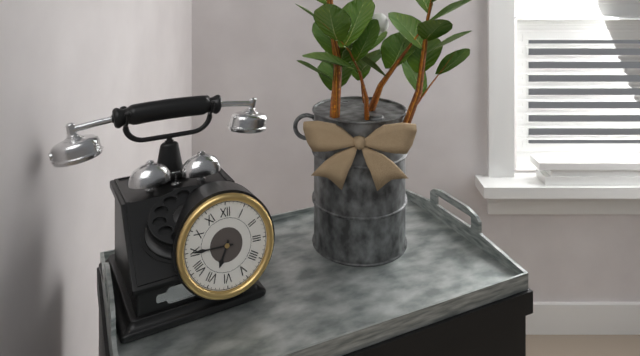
6:45
